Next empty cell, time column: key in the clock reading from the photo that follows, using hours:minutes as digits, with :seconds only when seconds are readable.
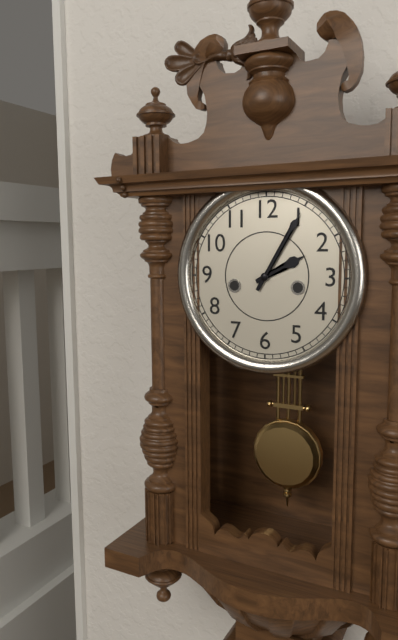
2:05
